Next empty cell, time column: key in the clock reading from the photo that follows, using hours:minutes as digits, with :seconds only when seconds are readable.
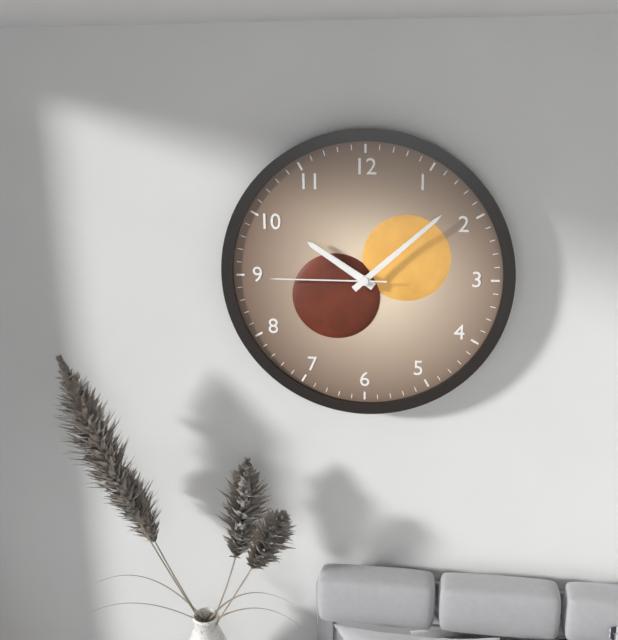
10:08:45
